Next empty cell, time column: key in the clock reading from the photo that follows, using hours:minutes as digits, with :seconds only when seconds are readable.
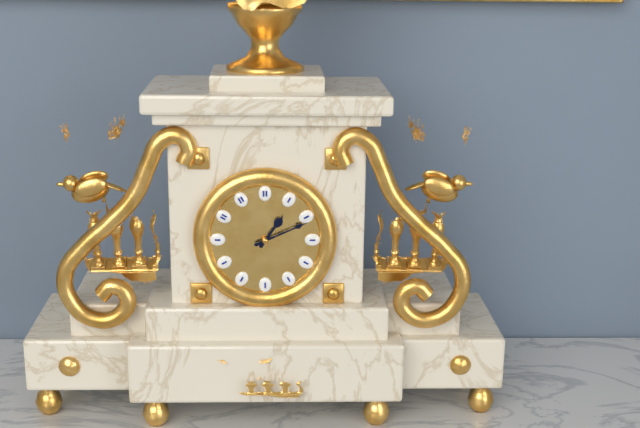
1:11
